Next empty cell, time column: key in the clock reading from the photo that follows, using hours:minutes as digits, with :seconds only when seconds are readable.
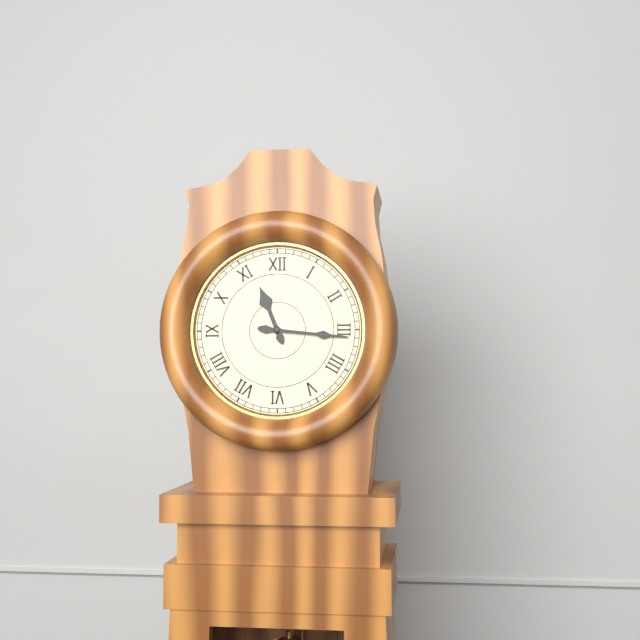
11:16
